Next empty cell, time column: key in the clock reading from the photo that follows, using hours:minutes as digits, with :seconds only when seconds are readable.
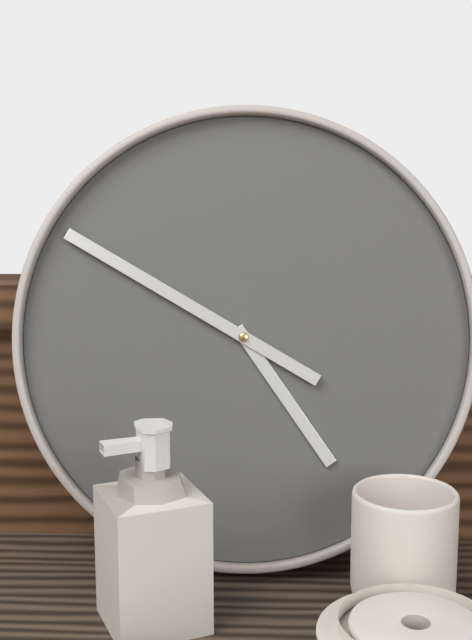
4:50
